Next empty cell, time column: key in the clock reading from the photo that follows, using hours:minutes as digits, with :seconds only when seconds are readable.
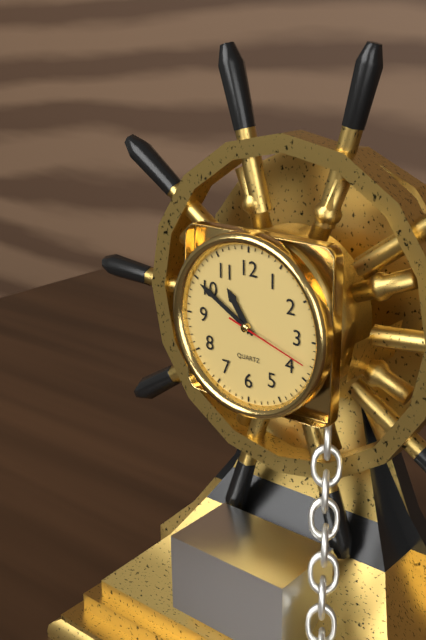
10:50:18
